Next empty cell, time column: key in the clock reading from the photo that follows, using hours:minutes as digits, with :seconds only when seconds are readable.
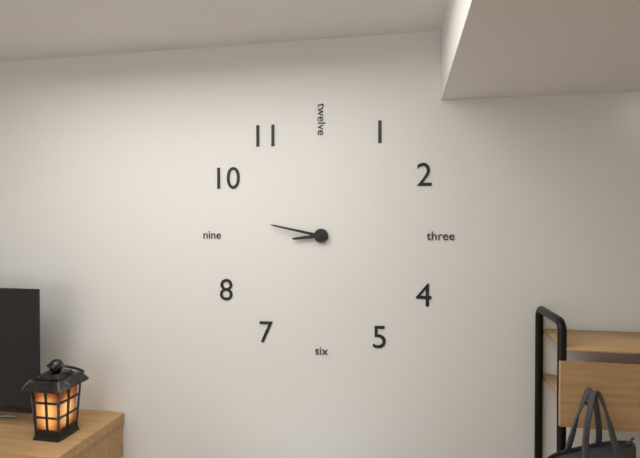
8:47
